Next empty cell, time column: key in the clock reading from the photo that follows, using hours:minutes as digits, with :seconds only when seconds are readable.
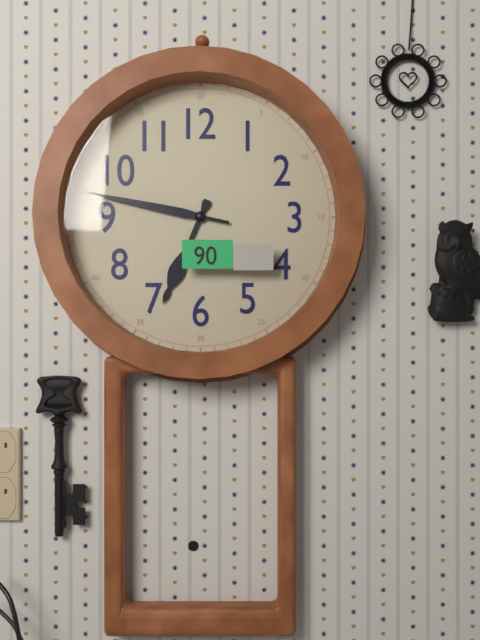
6:47
